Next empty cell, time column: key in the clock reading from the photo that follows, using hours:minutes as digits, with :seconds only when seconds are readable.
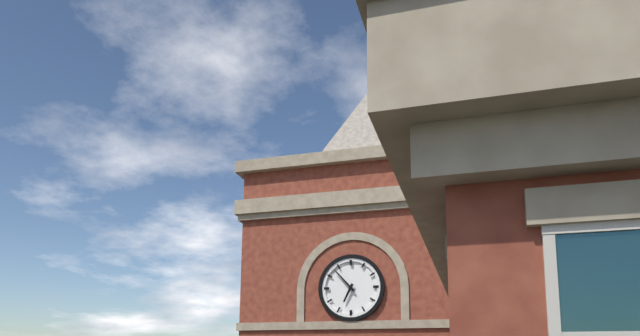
6:53
